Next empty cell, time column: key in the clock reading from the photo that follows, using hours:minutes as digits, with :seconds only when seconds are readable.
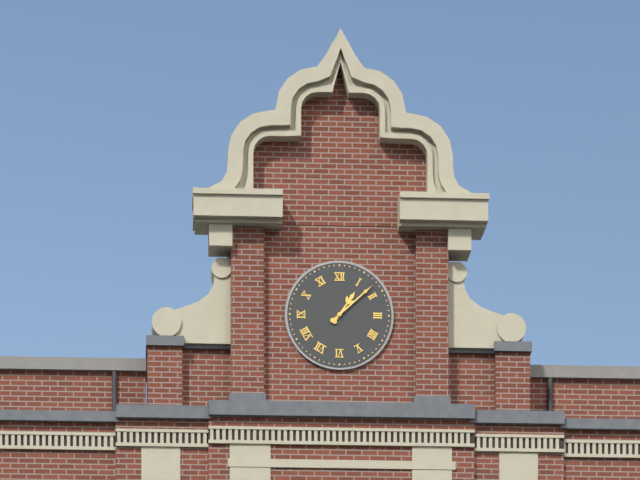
1:08
